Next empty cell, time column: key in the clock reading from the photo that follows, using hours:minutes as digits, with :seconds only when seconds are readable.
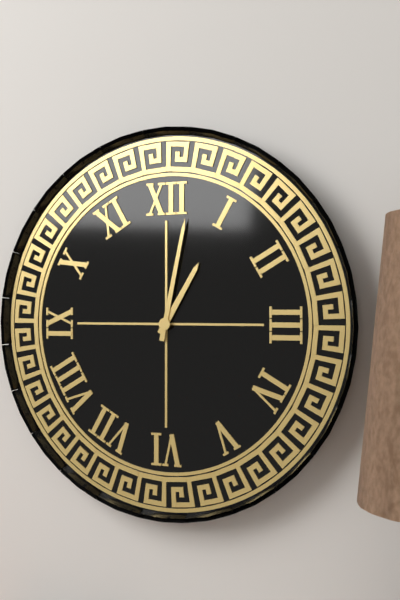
1:02
